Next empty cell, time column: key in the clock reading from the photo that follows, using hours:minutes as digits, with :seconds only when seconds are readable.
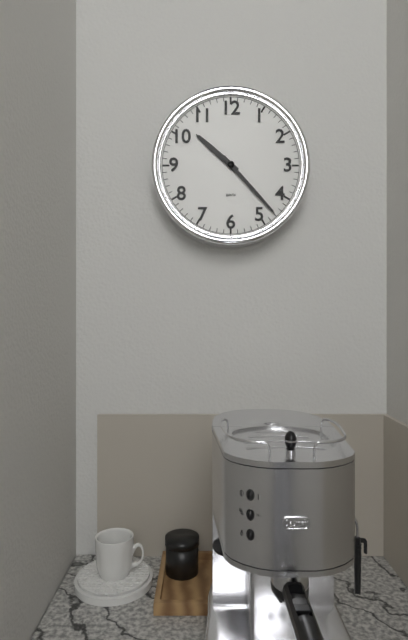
10:23
